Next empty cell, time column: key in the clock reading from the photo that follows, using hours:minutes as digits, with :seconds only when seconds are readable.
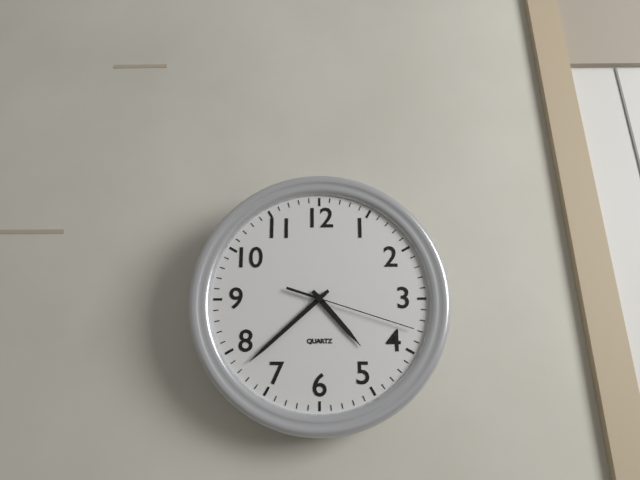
4:38:18
